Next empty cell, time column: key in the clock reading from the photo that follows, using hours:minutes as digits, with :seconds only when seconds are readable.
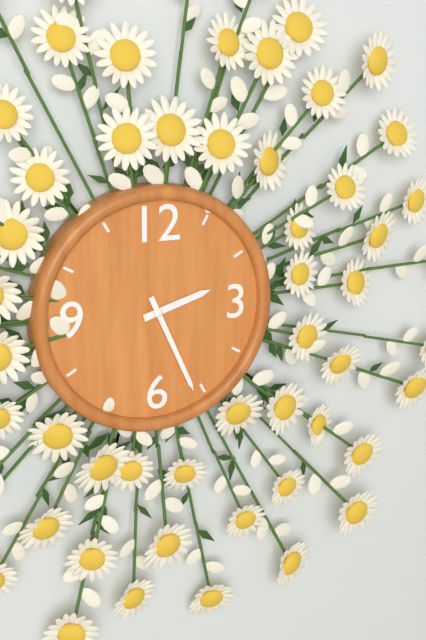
2:26
